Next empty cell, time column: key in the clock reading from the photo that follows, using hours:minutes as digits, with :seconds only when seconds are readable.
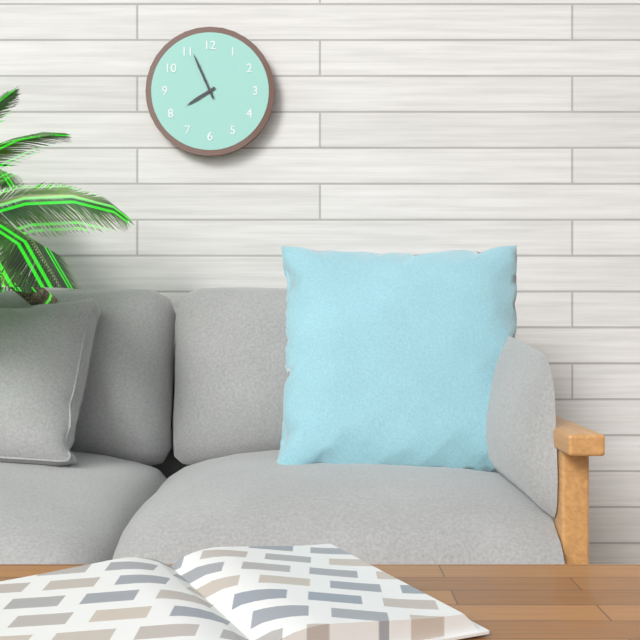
7:56
